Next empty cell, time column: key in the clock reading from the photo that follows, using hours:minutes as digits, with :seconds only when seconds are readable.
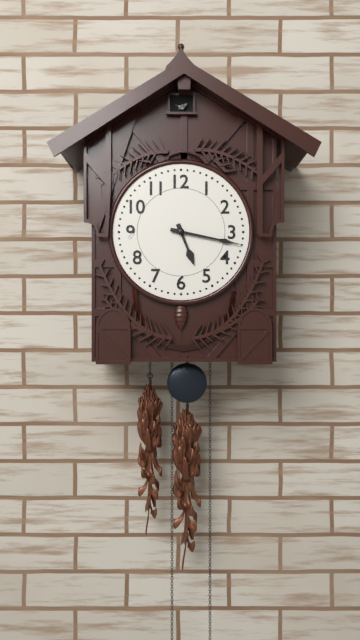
5:17
